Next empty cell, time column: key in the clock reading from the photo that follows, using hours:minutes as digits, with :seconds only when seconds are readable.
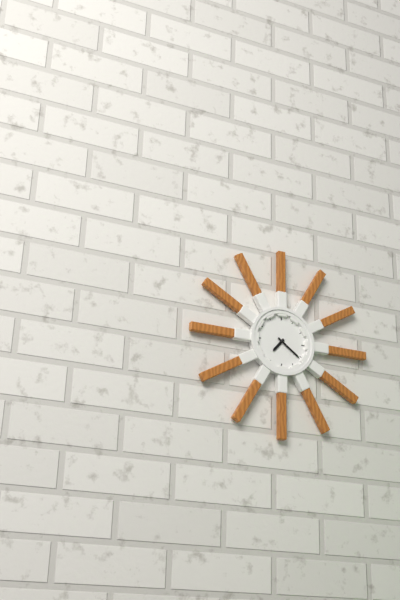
7:21
